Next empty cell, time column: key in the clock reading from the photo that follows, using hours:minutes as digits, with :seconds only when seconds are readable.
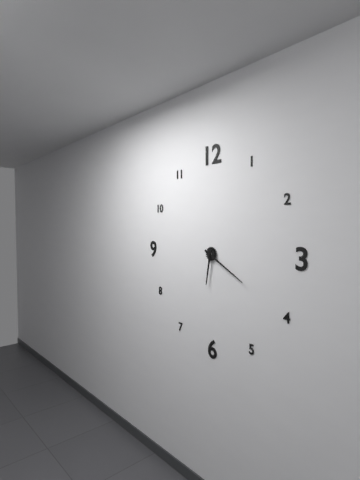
6:20
